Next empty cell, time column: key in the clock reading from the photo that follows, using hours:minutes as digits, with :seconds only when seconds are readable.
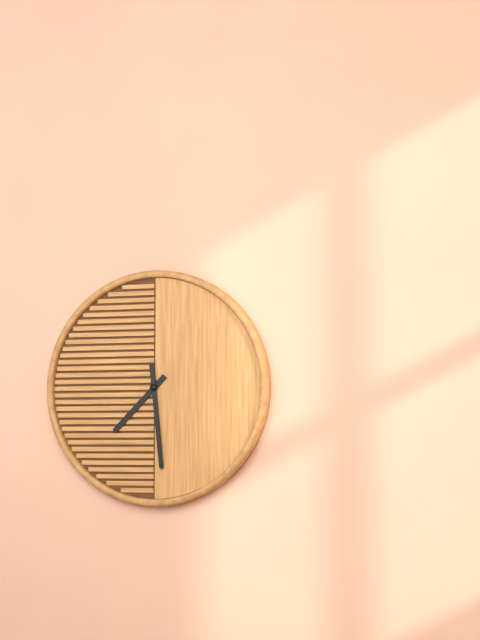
7:29
